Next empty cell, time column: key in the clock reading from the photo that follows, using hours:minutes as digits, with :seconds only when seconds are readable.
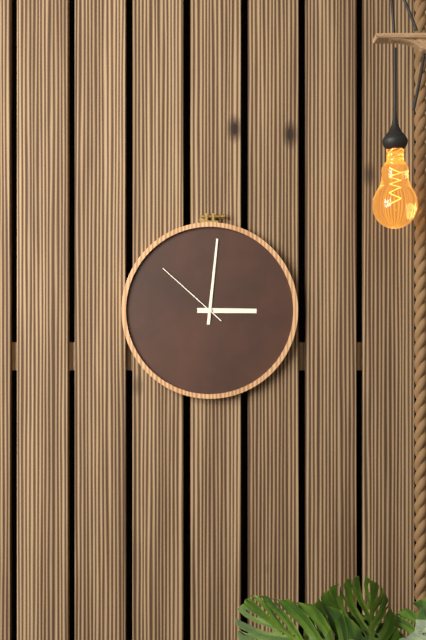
3:01:52
